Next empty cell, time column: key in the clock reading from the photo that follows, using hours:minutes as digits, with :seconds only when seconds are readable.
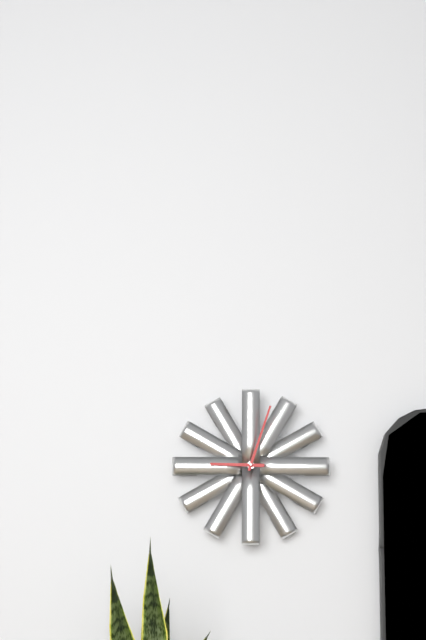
9:03
